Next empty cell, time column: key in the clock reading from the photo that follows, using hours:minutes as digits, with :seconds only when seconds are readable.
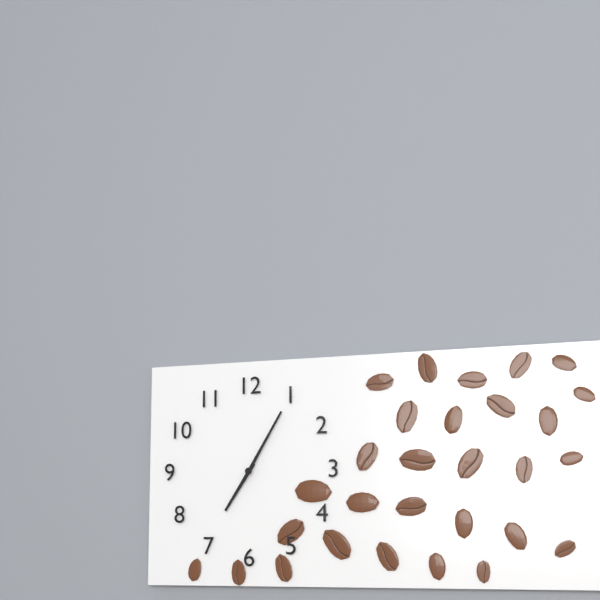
7:05
